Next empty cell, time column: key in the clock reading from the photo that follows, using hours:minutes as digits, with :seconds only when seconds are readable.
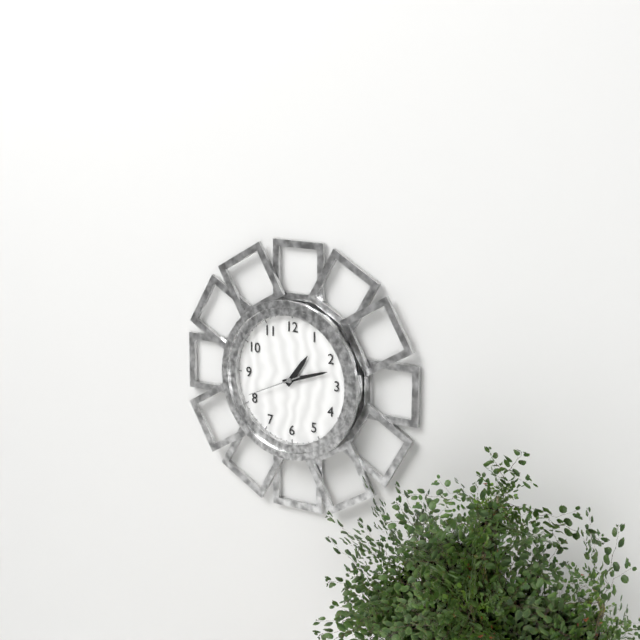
1:12:41
